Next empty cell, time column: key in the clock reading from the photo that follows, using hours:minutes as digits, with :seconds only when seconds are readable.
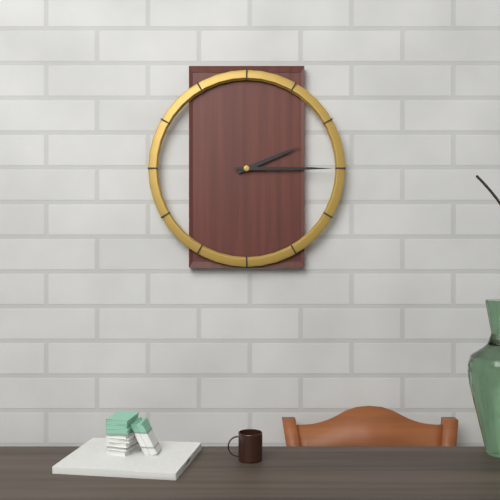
2:15
